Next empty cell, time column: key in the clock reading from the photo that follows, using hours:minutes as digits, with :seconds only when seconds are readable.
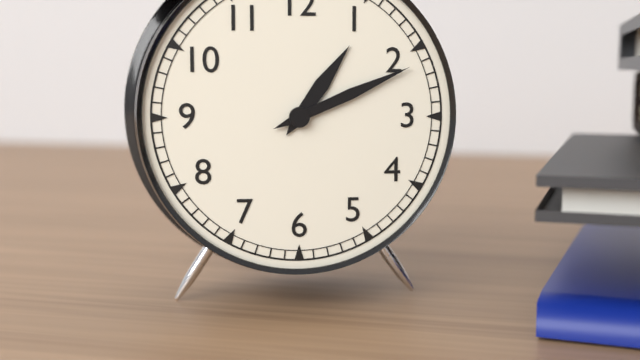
1:11
